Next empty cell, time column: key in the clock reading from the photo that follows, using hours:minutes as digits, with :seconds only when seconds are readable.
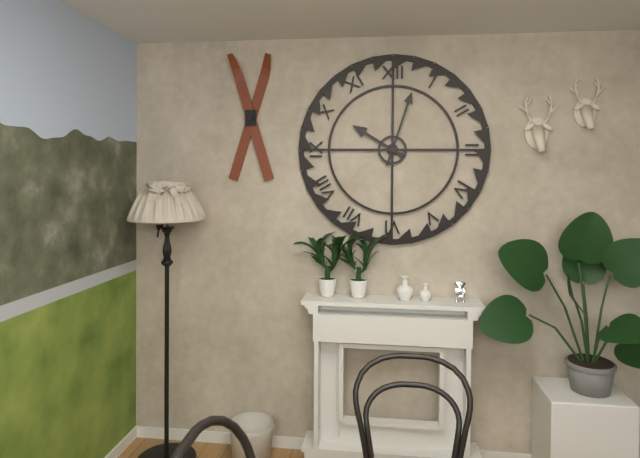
10:03
